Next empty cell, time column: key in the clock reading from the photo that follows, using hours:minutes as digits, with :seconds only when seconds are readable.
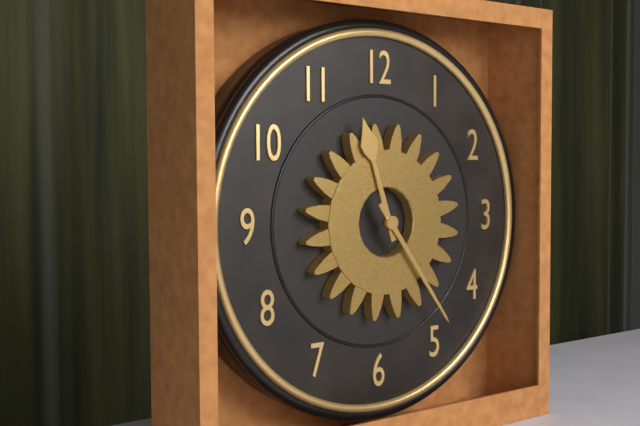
11:24
